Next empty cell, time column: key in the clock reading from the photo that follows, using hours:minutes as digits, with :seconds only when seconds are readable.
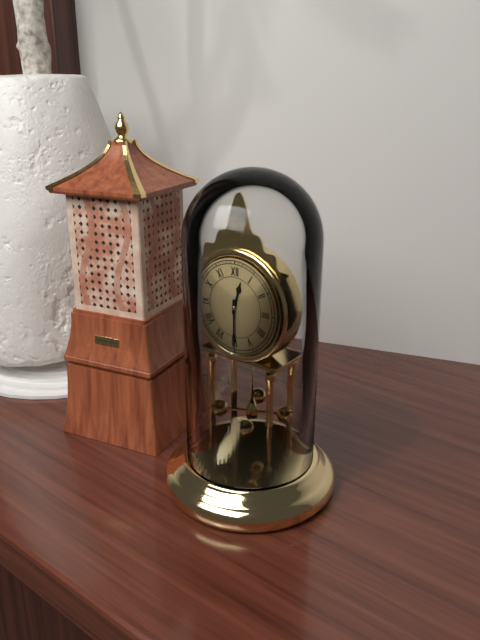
12:30
